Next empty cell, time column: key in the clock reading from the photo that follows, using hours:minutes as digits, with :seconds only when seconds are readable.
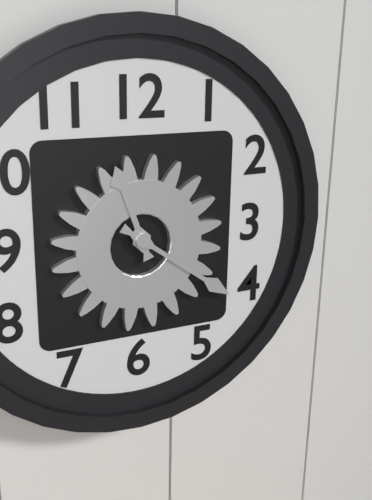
11:21
